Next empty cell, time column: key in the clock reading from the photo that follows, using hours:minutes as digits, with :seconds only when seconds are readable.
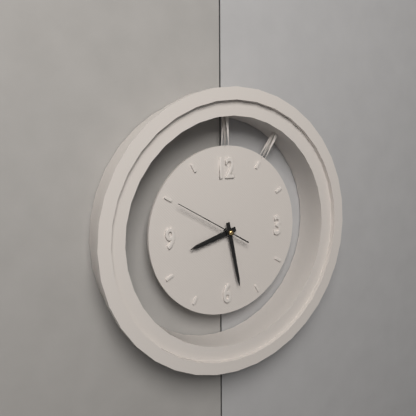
8:28:50
